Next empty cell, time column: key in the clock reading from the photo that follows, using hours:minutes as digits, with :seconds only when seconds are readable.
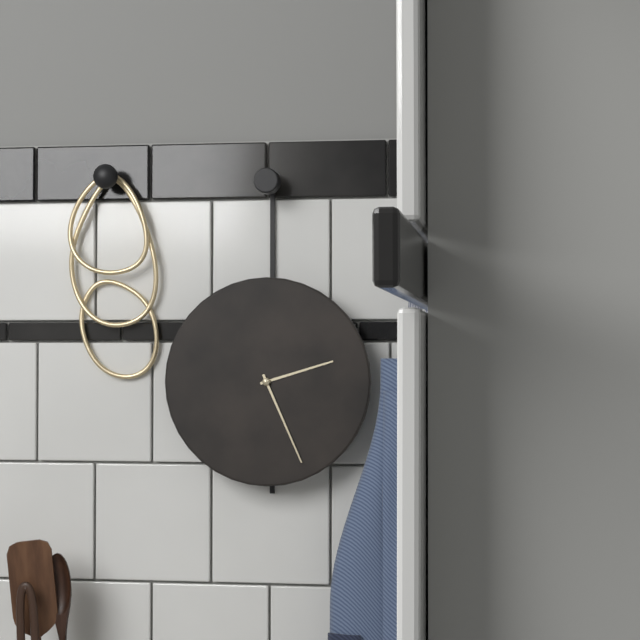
2:26
